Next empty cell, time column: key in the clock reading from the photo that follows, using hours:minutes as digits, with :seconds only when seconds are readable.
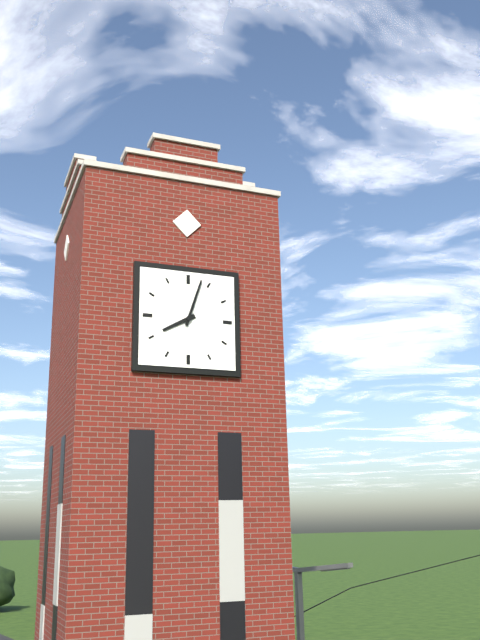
8:03
